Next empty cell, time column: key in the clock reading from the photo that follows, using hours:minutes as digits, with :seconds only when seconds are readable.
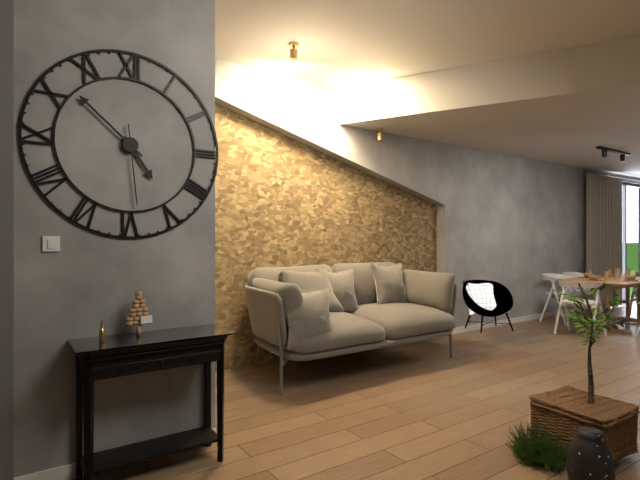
4:52:29
